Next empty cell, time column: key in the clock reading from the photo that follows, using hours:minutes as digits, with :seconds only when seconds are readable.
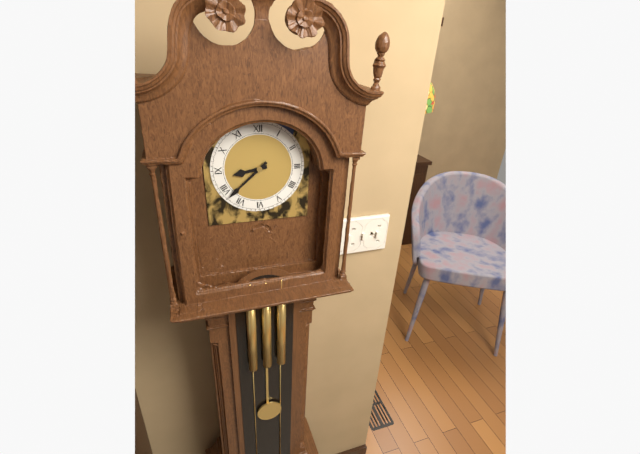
8:38
